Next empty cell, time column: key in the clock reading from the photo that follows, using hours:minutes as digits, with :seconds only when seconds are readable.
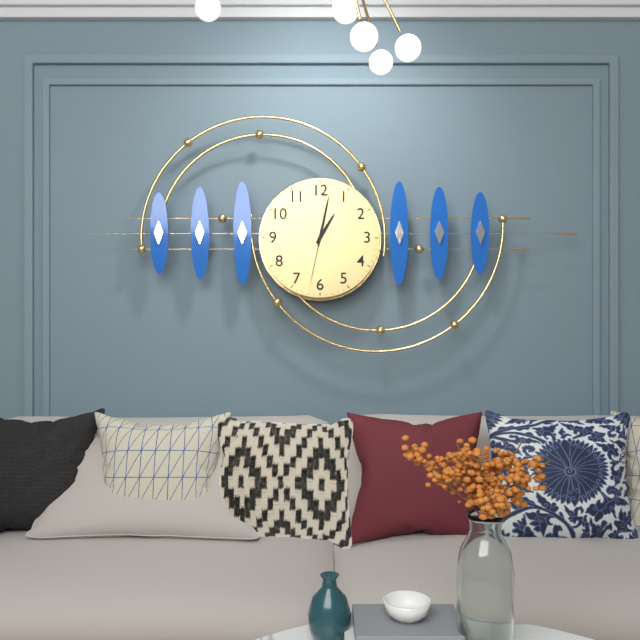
1:02:32
